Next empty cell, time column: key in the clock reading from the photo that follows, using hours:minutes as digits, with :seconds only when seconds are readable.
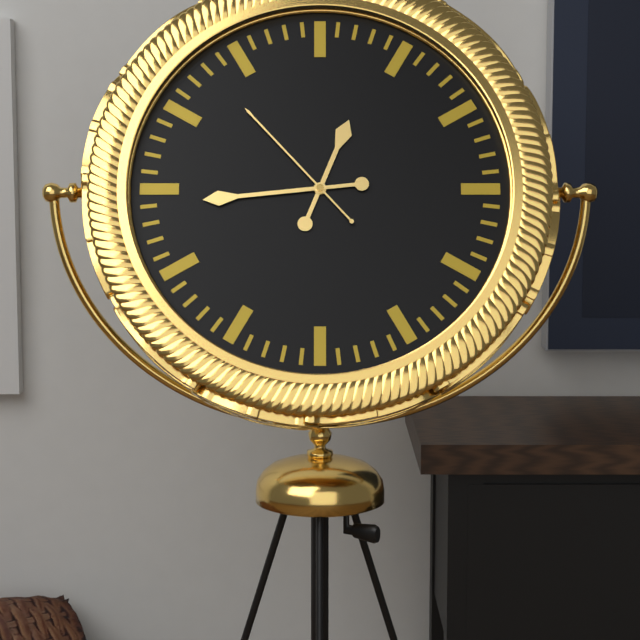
12:44:53
